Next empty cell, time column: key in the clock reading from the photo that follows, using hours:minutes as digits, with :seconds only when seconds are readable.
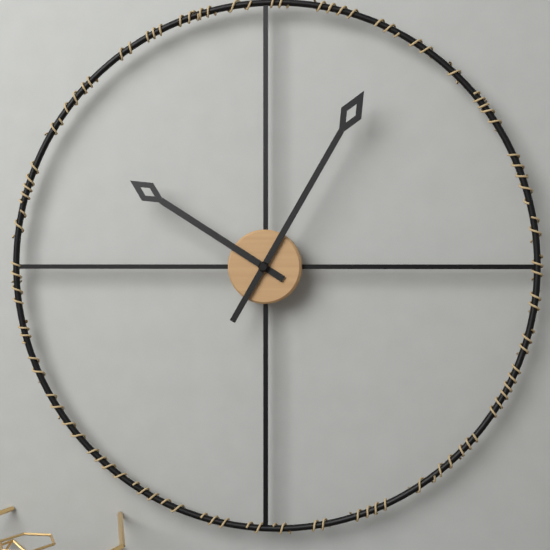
10:05
